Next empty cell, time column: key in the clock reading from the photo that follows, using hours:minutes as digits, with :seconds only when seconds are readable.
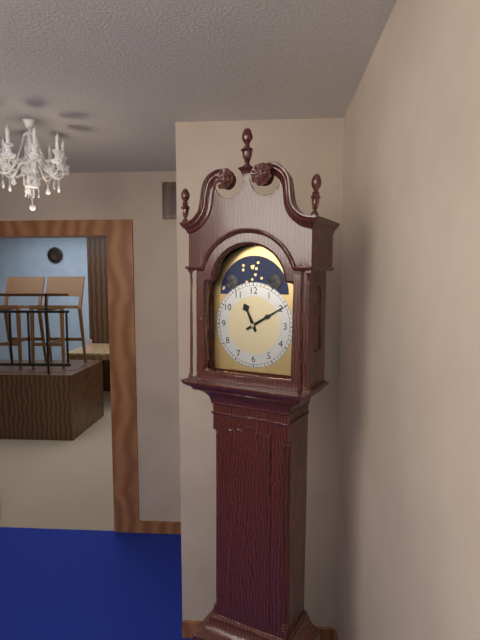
11:10
